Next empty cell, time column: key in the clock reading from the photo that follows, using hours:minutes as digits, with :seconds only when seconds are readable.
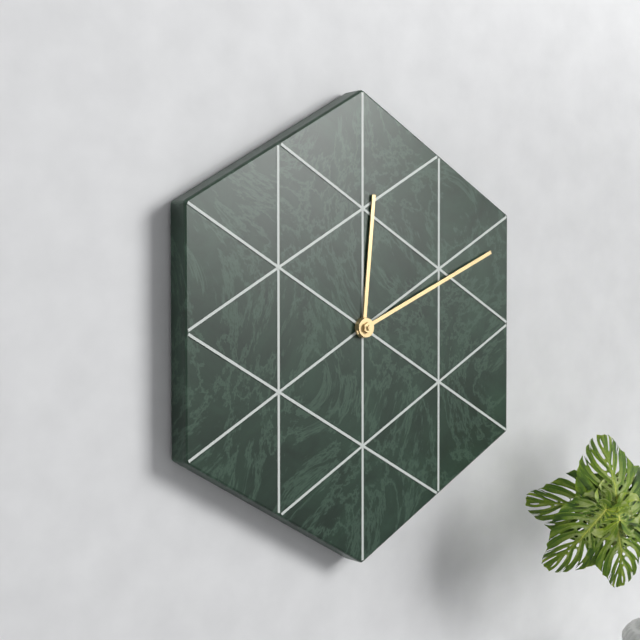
12:11
